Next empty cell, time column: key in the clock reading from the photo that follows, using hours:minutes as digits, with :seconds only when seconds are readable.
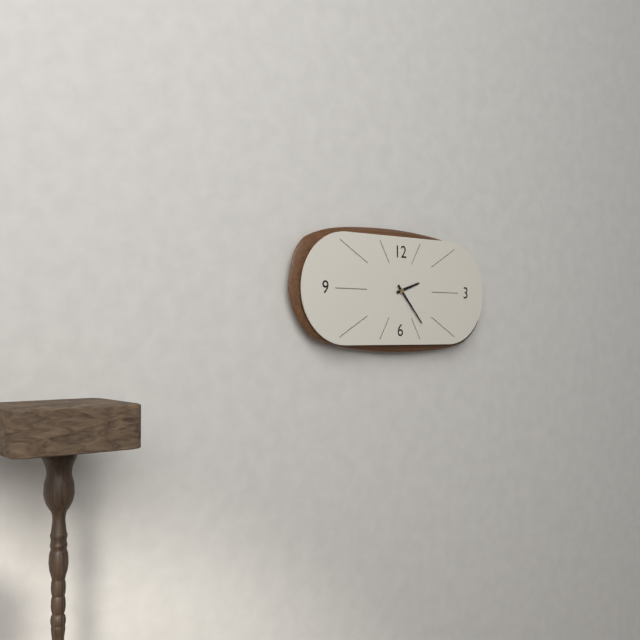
2:23
